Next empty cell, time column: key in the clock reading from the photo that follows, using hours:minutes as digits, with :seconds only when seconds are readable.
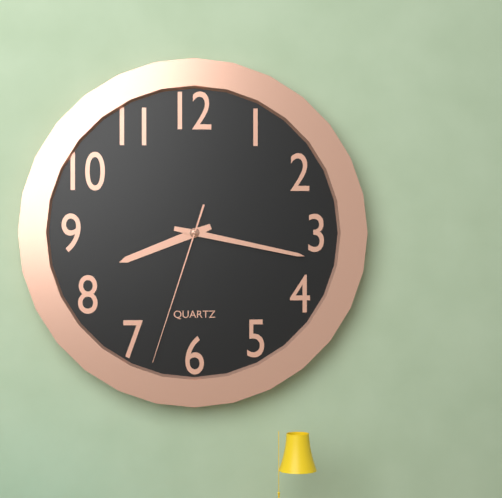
8:17:33
